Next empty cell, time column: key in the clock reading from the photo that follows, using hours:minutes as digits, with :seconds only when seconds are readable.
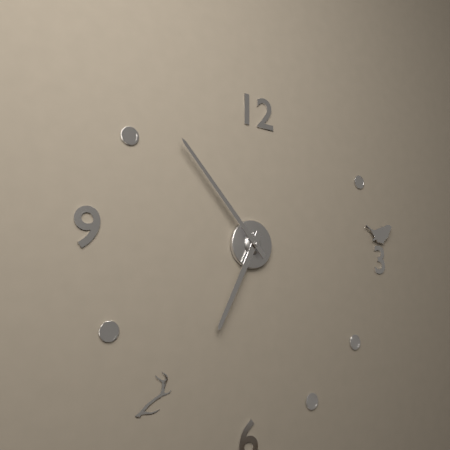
6:53
